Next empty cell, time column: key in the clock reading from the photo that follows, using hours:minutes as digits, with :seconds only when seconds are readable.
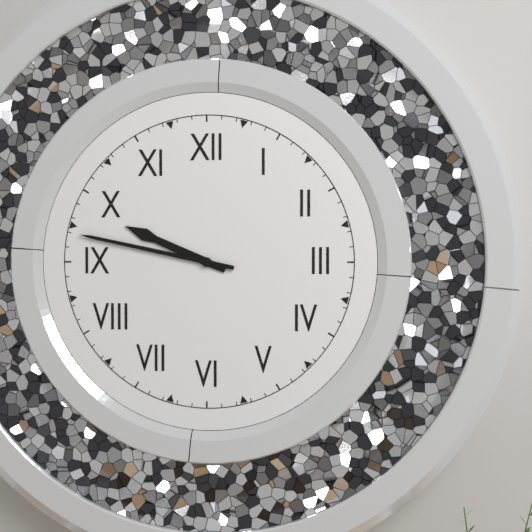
9:47
